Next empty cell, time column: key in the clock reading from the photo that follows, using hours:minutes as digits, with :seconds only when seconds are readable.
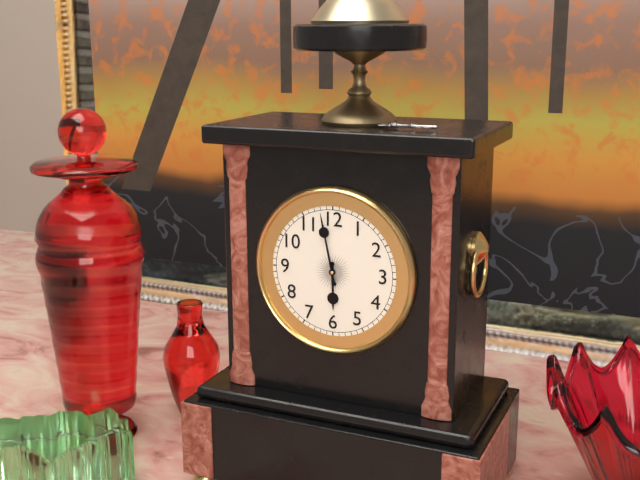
5:58
